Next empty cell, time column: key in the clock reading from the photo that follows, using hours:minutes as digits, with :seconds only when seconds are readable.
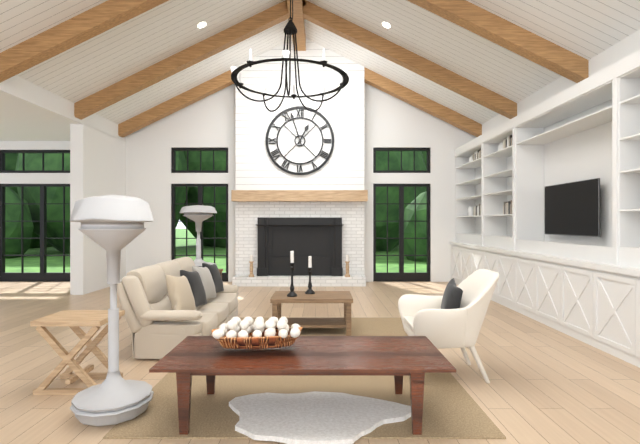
12:57
